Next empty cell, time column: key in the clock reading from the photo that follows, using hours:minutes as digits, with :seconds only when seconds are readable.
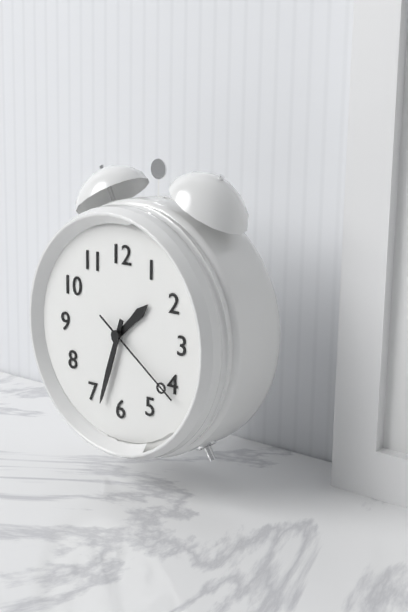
1:33:21
